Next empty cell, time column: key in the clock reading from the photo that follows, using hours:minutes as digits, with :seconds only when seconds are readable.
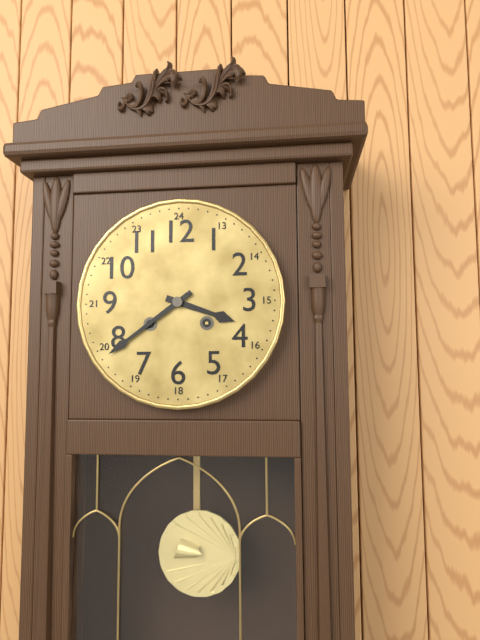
3:39
